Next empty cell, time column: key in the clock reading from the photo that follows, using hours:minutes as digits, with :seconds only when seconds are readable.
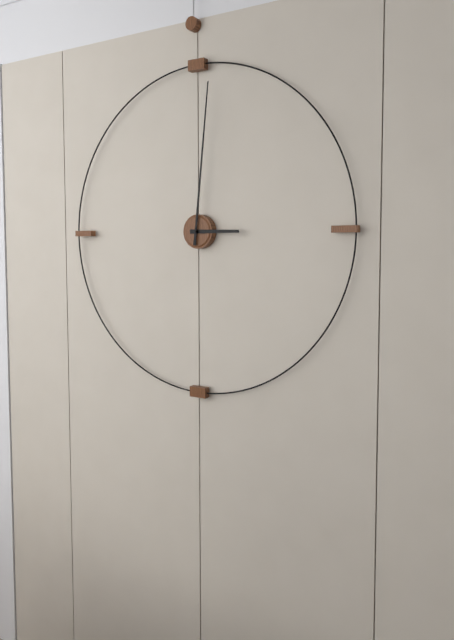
3:01
